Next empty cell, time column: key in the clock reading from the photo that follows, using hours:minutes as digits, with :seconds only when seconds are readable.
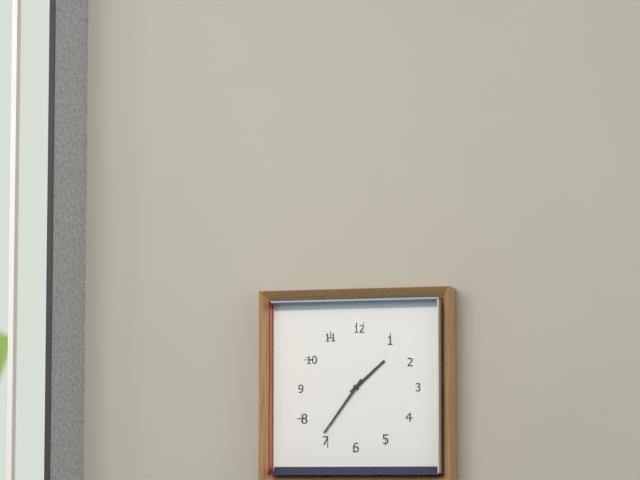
1:36
